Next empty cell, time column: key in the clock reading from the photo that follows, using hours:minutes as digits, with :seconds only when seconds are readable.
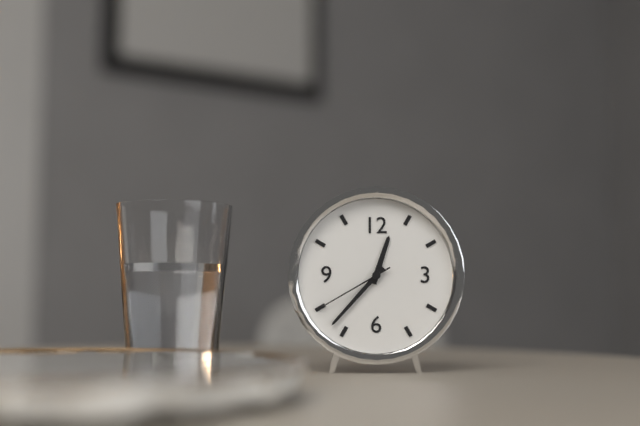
12:37:40
